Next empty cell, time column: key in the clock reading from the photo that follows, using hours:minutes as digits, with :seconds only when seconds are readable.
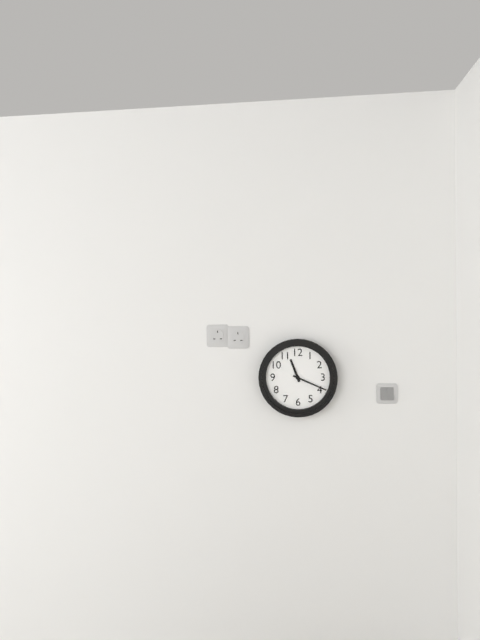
11:19
